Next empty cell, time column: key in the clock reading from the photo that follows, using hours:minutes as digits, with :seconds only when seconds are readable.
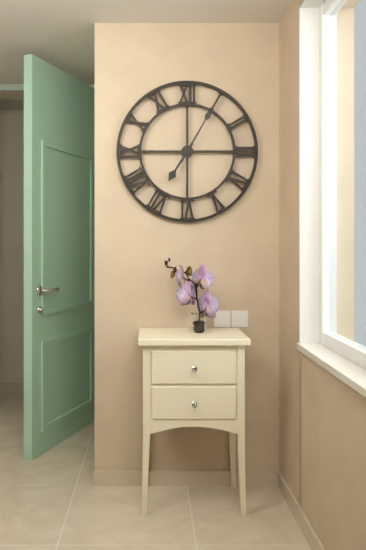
7:05
